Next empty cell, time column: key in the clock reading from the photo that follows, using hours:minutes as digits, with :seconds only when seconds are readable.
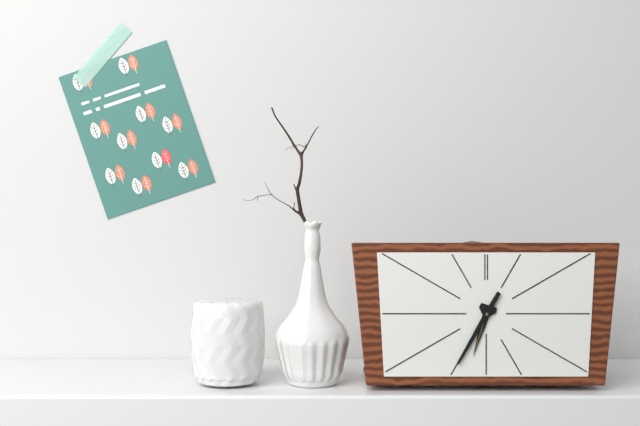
6:35
